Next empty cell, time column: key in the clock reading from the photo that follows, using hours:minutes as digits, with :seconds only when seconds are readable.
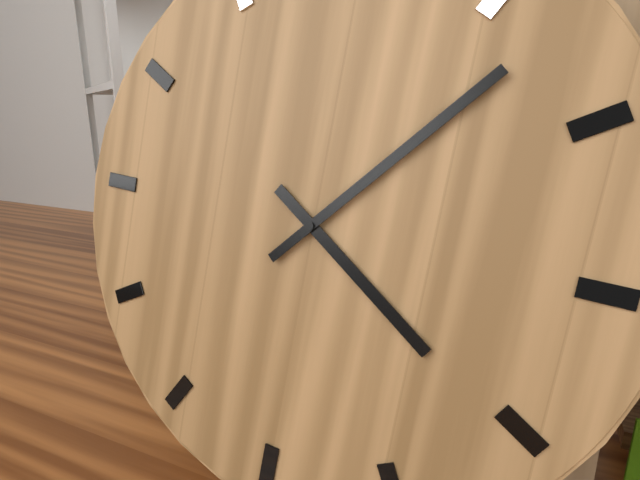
4:07
